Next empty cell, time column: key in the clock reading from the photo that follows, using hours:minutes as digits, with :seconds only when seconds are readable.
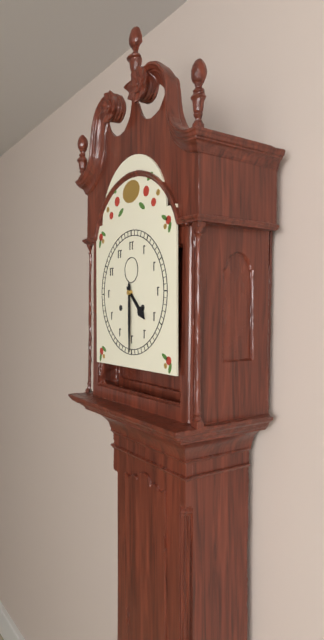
4:30
